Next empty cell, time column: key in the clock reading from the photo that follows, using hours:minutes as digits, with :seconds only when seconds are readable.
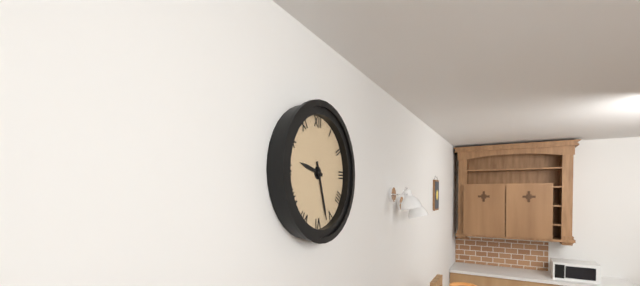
9:27
